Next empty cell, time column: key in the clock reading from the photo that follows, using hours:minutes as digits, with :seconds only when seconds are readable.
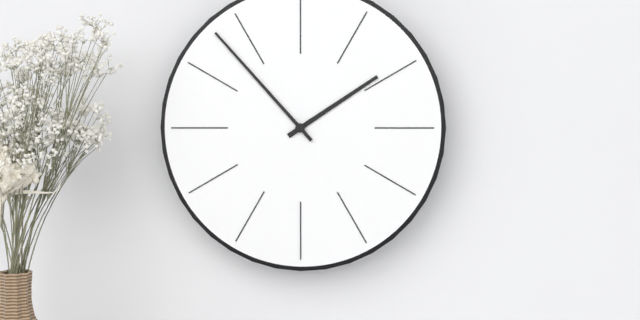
1:53
